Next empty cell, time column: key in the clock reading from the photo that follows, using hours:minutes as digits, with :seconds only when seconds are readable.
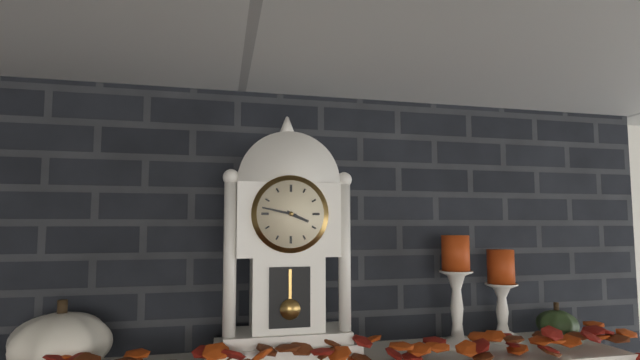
3:47
